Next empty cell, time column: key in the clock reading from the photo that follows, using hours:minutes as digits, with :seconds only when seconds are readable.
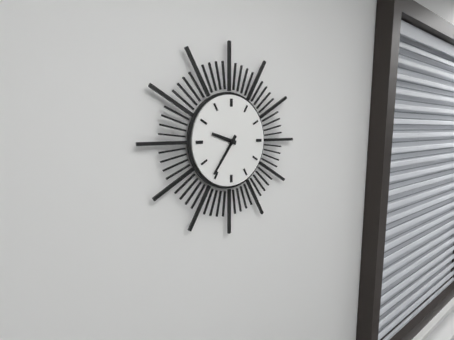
9:36
